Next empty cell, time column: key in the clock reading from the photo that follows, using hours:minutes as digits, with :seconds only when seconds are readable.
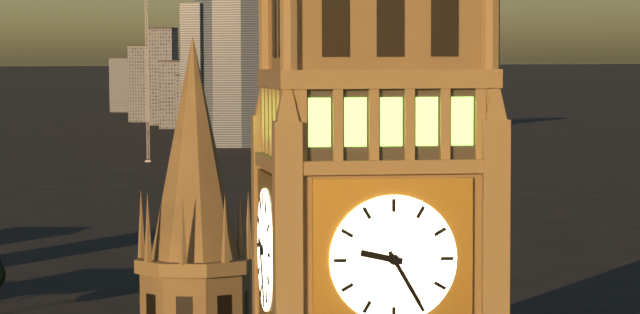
9:25
